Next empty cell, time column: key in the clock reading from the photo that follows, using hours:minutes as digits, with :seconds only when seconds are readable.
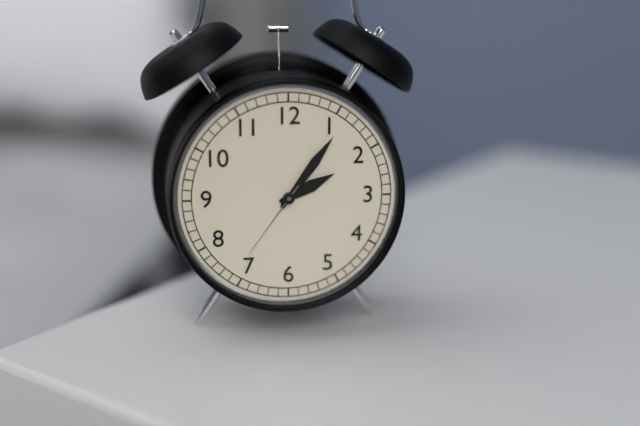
2:06:36
